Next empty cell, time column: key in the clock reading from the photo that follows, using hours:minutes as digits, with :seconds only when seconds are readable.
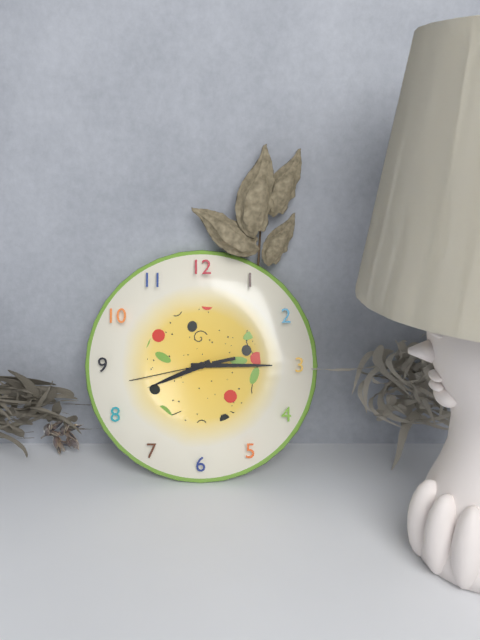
8:15:43
